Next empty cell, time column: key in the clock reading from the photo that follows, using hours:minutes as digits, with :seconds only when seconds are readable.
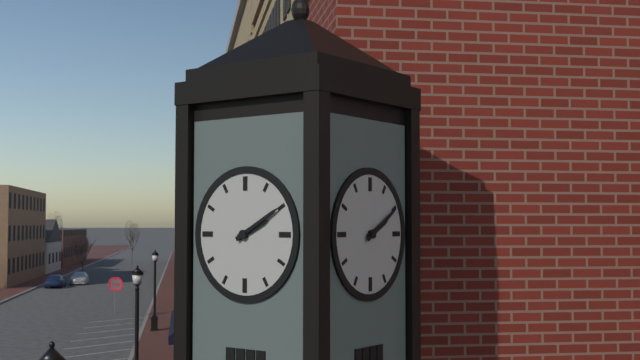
2:10
